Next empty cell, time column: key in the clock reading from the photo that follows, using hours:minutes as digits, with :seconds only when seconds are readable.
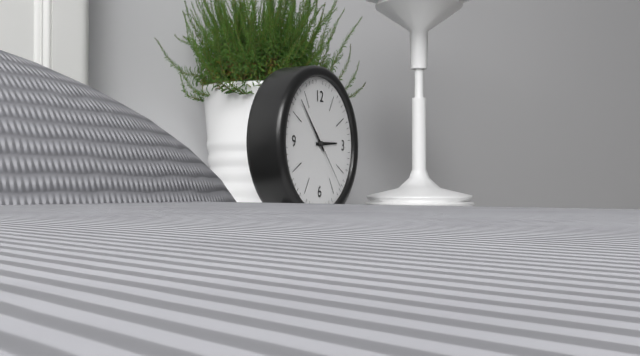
2:53:23
